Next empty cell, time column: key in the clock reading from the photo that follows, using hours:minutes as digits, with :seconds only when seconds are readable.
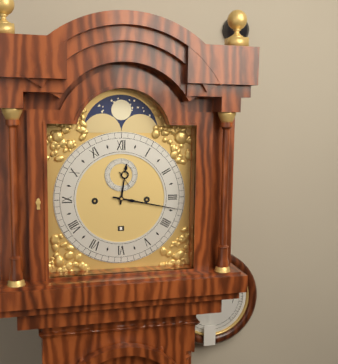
12:17
